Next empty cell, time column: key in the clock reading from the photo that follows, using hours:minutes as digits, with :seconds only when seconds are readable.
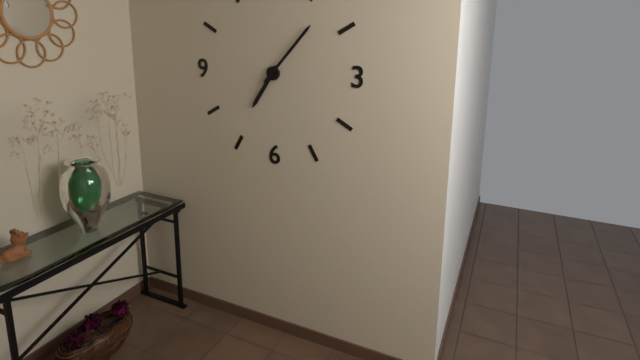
7:07
